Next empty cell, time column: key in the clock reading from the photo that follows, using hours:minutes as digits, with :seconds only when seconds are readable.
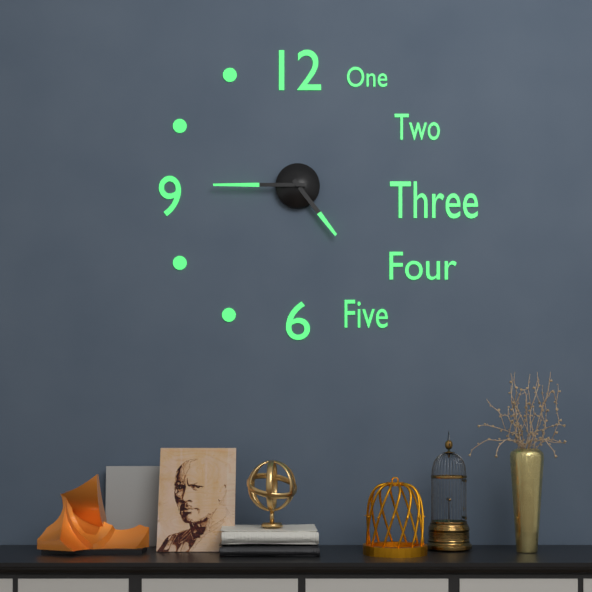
4:45
